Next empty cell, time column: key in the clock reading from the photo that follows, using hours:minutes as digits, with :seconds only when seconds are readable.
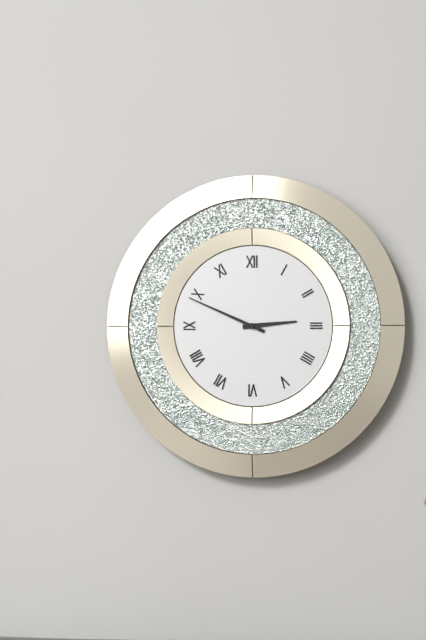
2:49
